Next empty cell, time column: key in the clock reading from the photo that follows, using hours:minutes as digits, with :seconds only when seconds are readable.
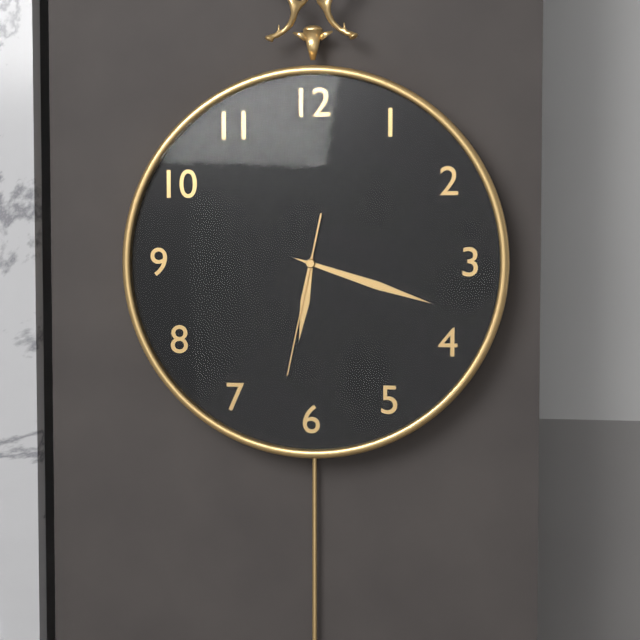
6:18:32
